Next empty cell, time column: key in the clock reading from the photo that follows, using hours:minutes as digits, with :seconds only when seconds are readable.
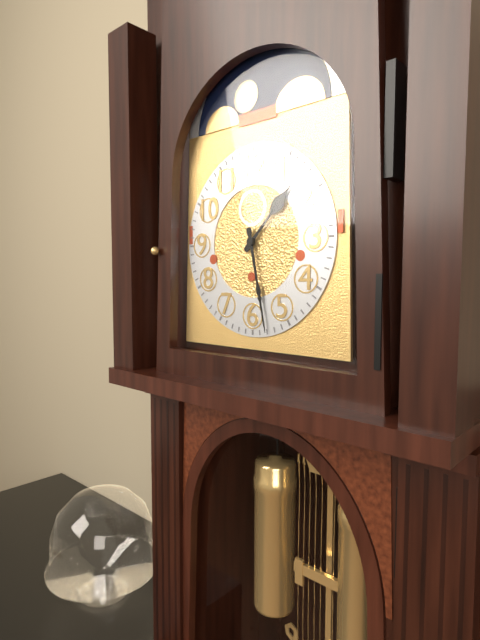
1:28
